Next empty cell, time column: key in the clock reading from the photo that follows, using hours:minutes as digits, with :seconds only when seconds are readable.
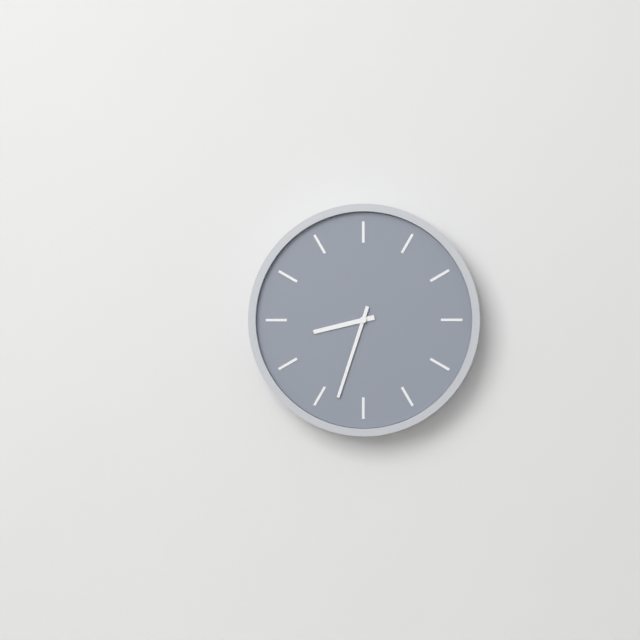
8:33
